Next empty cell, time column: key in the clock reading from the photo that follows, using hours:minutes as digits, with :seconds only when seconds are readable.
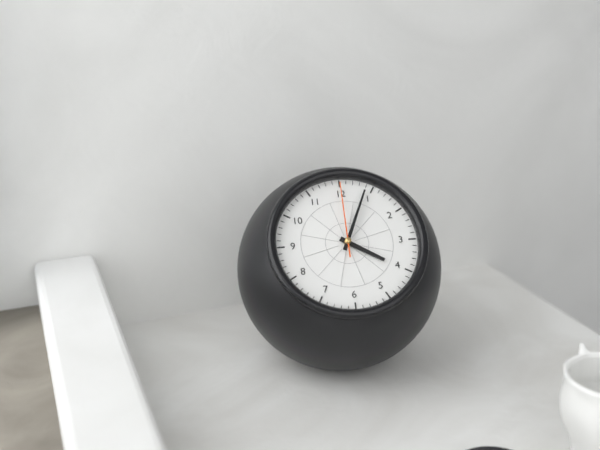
4:04:00
